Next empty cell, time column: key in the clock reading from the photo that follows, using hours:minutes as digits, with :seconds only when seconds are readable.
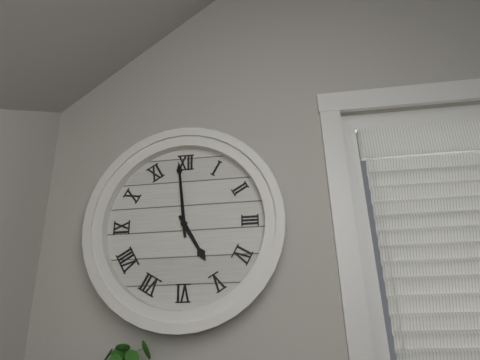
4:59
